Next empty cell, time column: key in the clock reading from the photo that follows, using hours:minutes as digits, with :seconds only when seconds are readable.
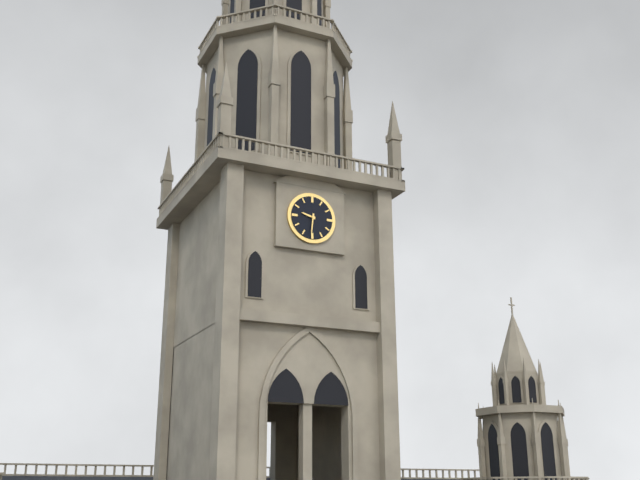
9:31
